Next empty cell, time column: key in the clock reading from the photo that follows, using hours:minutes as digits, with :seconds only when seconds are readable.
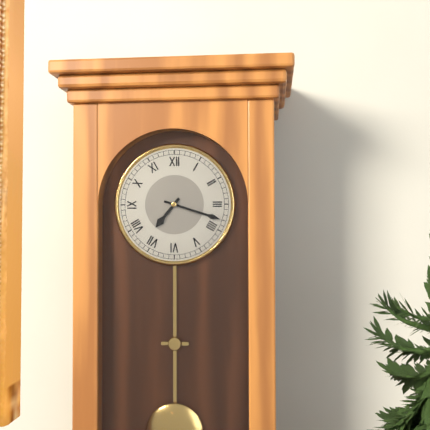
7:18
